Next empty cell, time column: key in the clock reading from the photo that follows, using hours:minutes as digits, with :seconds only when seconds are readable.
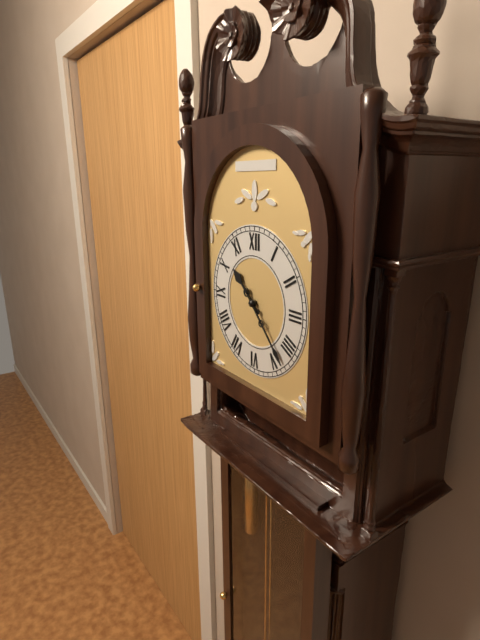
10:23
